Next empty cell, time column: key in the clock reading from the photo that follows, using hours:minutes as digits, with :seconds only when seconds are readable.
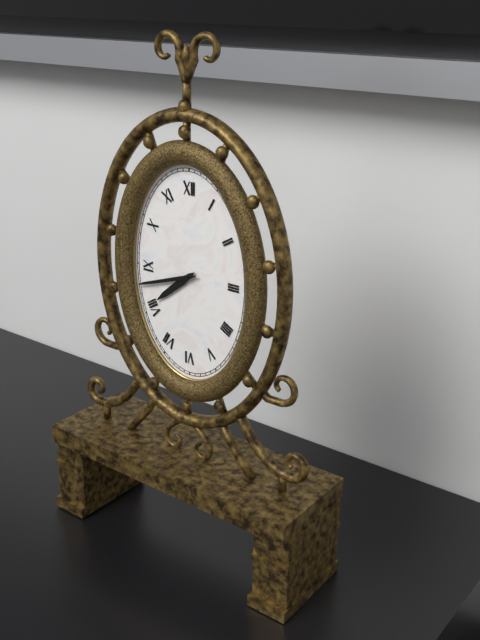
7:42
